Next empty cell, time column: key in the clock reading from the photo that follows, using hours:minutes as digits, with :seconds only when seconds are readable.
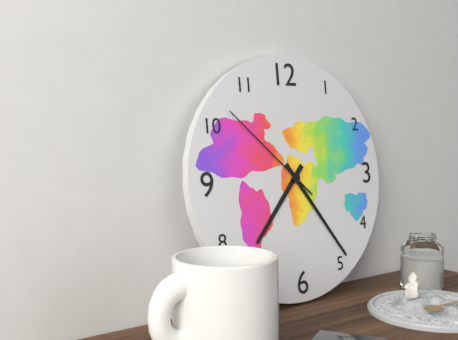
7:24:52
